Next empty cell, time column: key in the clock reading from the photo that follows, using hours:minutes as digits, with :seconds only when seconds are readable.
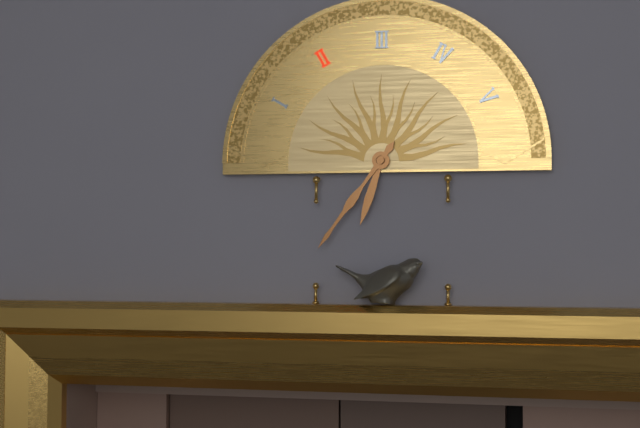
6:36
